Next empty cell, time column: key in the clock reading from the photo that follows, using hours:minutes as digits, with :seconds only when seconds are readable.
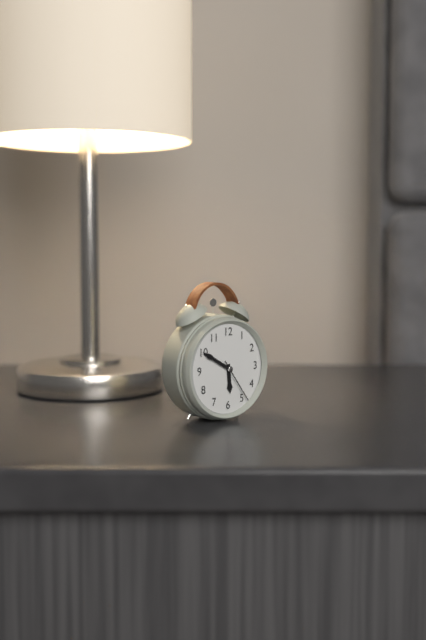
5:50
